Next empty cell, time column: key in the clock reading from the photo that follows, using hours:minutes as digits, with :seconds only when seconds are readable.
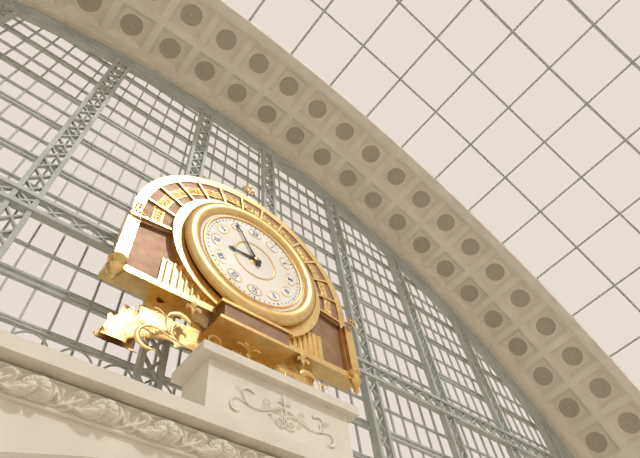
8:55
